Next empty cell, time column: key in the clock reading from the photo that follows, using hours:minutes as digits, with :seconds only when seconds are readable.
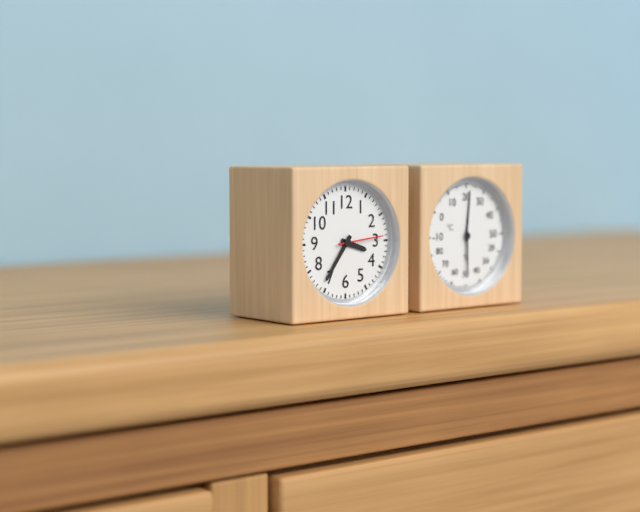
3:36
